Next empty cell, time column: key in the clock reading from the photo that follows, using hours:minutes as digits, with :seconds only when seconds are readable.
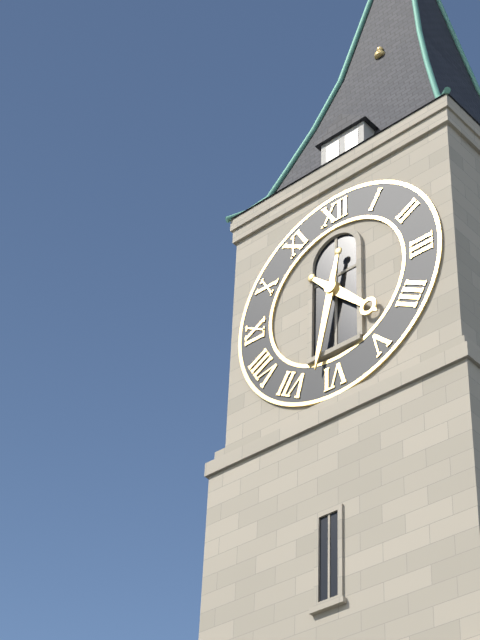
4:32
